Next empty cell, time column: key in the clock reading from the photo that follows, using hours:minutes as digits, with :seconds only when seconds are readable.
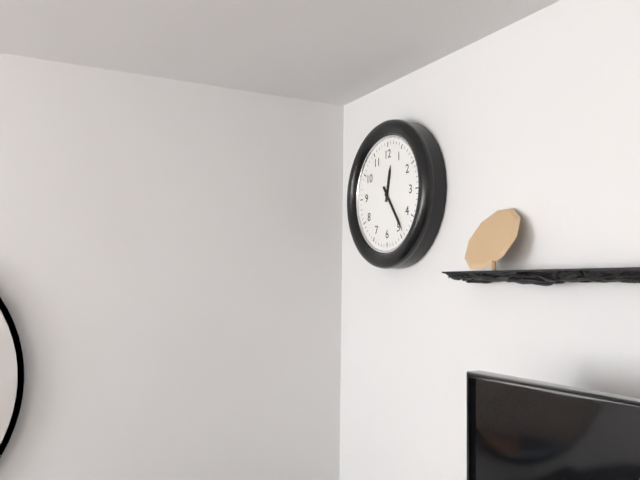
12:24
